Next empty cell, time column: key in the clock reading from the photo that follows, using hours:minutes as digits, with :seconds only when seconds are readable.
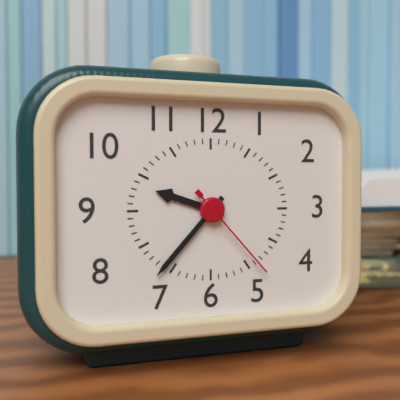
9:37:23
